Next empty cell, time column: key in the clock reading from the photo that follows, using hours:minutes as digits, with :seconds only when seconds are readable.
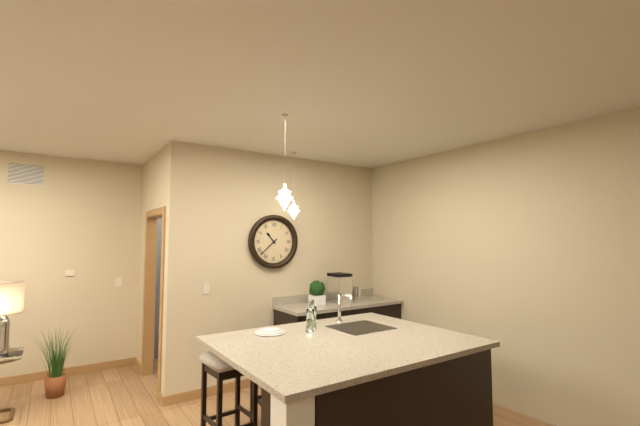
10:38
